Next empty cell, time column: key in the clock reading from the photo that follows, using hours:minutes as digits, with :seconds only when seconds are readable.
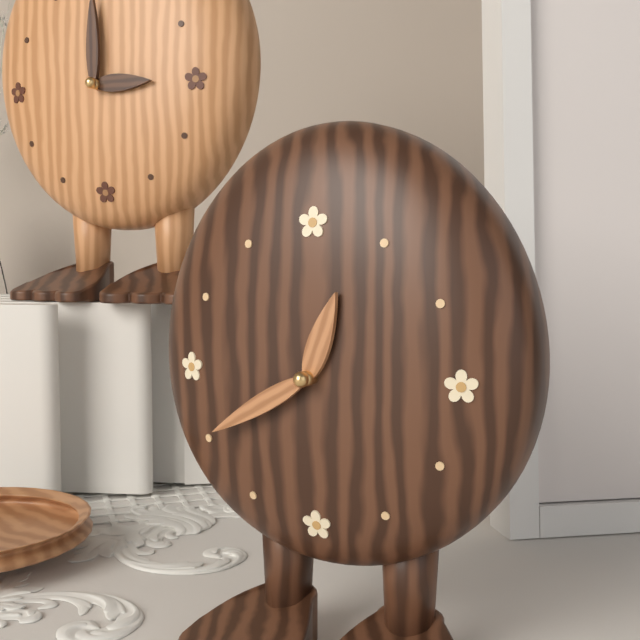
12:40
